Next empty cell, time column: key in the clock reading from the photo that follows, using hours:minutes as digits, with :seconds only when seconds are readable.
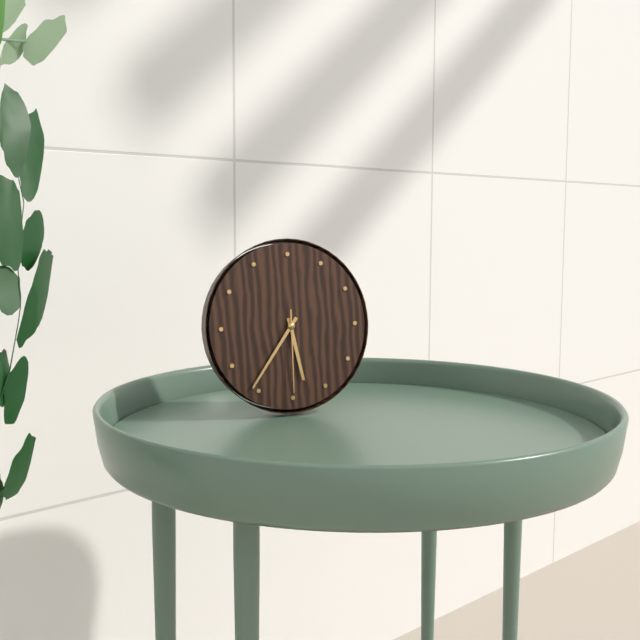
5:36:30
